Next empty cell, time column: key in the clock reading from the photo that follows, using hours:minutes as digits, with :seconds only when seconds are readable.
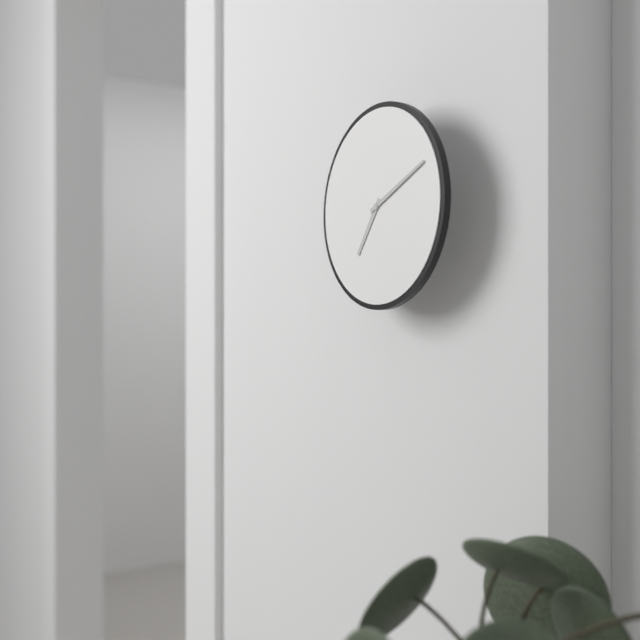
7:11
